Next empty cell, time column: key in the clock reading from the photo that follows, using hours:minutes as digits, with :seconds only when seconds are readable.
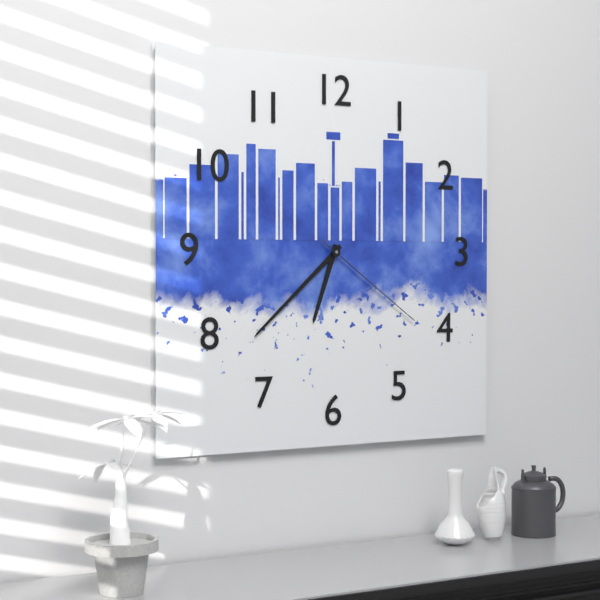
6:38:21
